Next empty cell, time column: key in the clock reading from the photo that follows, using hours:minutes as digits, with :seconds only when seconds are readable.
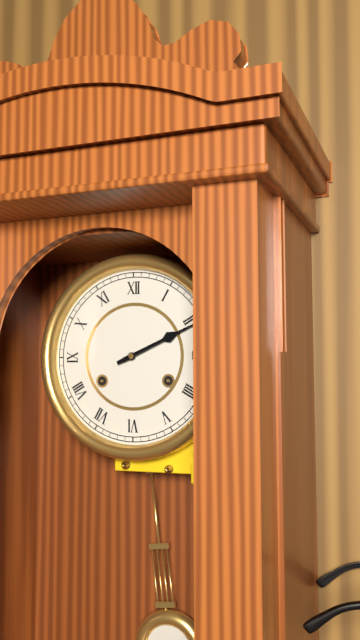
2:11
